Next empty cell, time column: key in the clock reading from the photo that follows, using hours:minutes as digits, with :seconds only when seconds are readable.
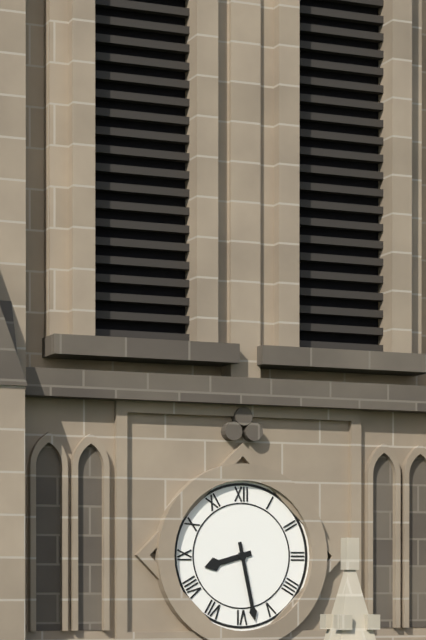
8:28
